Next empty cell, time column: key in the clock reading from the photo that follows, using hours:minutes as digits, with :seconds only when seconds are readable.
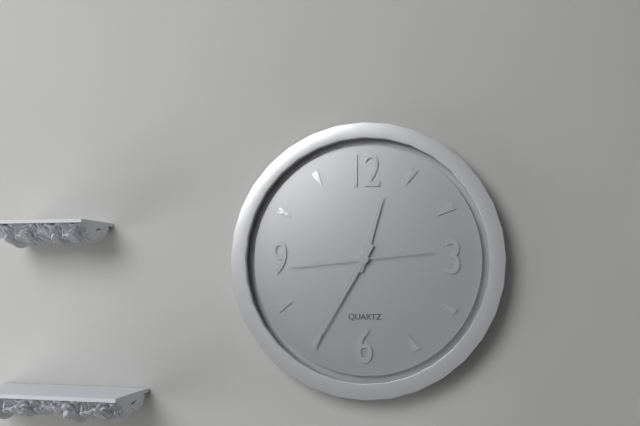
12:35:44
